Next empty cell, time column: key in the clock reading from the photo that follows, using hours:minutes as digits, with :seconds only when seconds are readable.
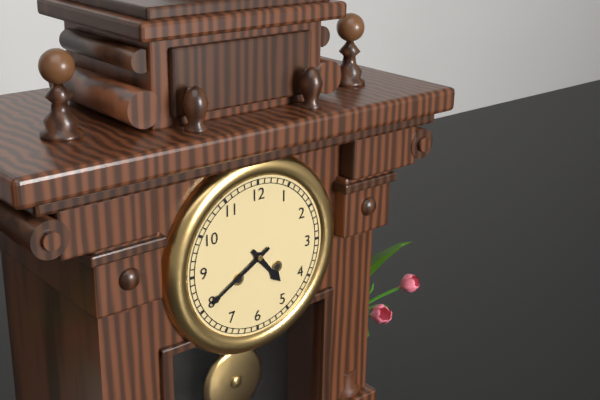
4:40
